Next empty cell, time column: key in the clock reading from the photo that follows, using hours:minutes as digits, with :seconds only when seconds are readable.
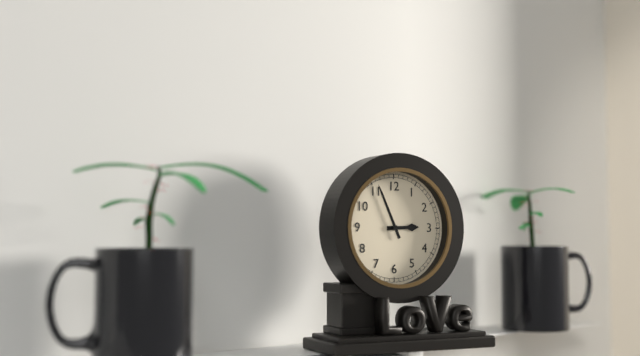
2:56
